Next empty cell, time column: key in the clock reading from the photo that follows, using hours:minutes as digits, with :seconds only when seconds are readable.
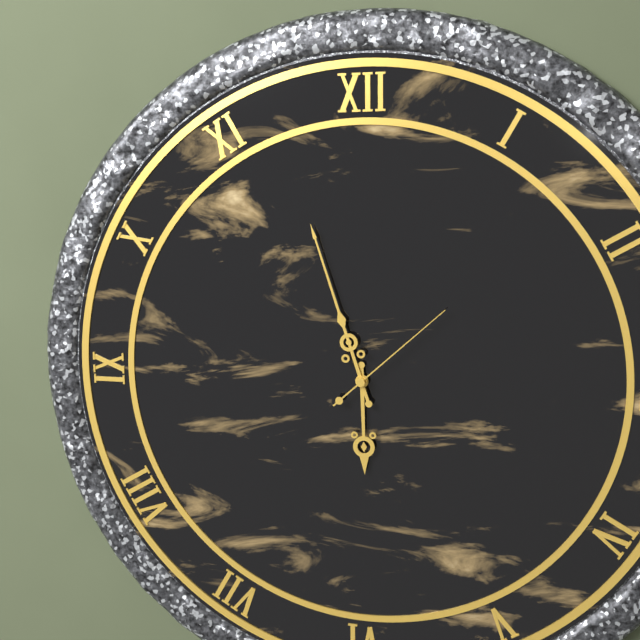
5:57:08
